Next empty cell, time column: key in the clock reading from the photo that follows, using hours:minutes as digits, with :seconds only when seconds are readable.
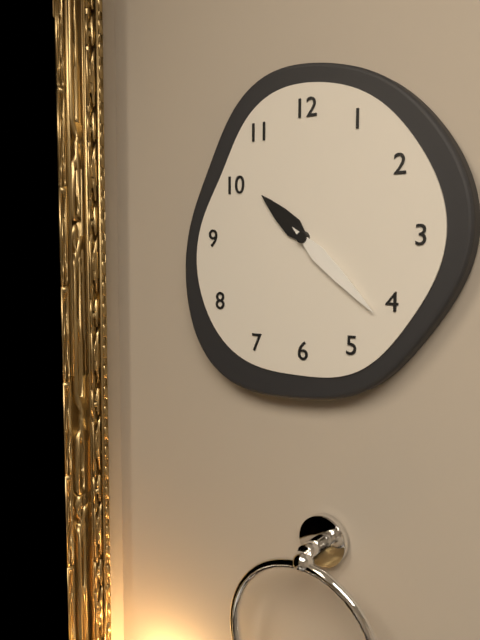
10:22
